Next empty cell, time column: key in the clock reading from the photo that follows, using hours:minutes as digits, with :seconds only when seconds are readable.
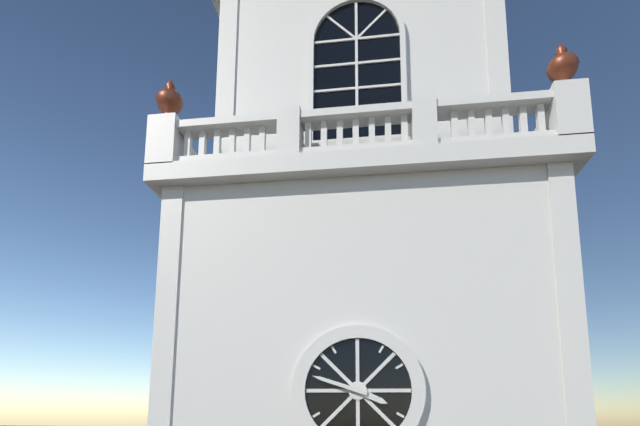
3:48
